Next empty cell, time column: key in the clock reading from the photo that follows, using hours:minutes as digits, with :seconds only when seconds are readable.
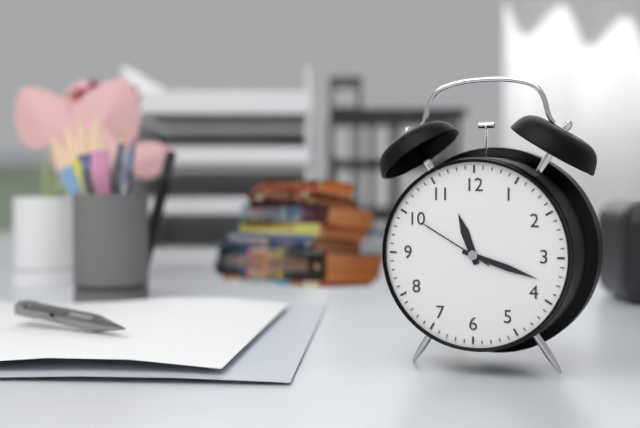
11:18:50
